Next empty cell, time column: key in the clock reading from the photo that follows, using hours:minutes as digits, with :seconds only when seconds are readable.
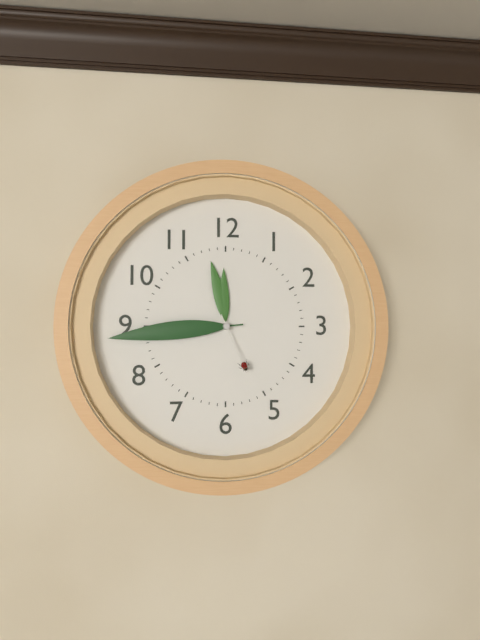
11:44:26
